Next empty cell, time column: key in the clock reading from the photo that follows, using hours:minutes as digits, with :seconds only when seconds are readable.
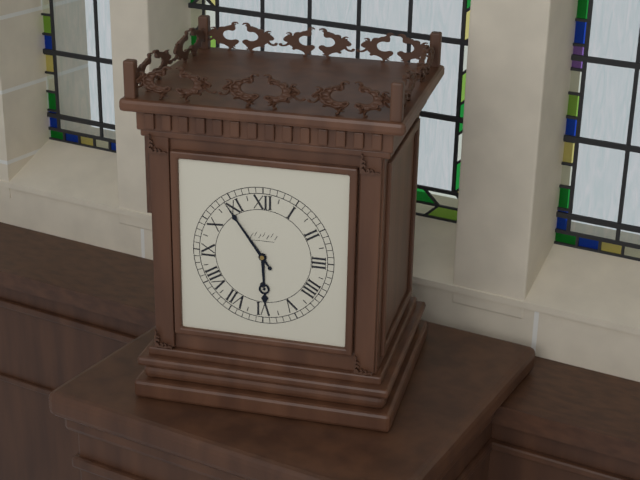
5:54
